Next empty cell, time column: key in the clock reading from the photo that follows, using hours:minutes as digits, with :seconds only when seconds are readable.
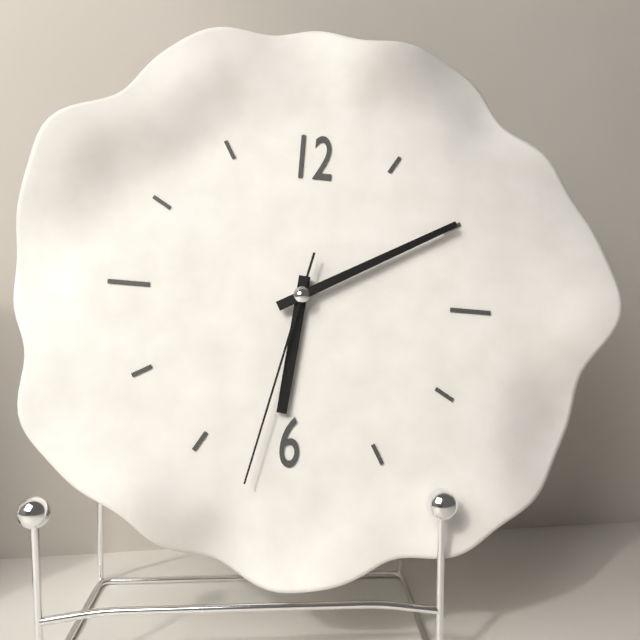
6:10:32
